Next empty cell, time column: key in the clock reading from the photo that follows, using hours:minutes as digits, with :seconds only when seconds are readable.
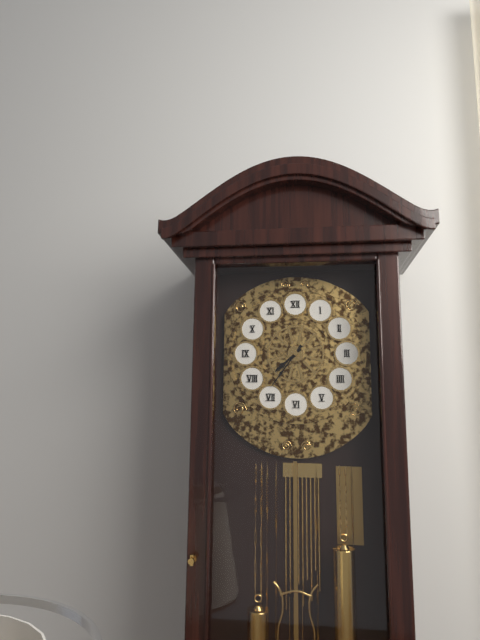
7:36
